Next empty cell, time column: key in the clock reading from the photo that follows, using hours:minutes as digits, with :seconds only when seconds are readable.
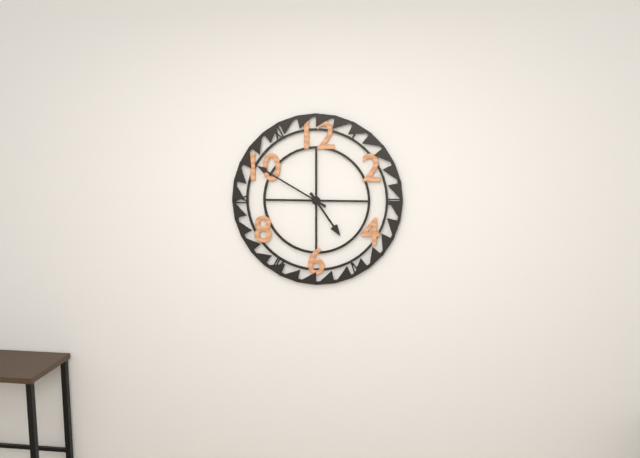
4:50
